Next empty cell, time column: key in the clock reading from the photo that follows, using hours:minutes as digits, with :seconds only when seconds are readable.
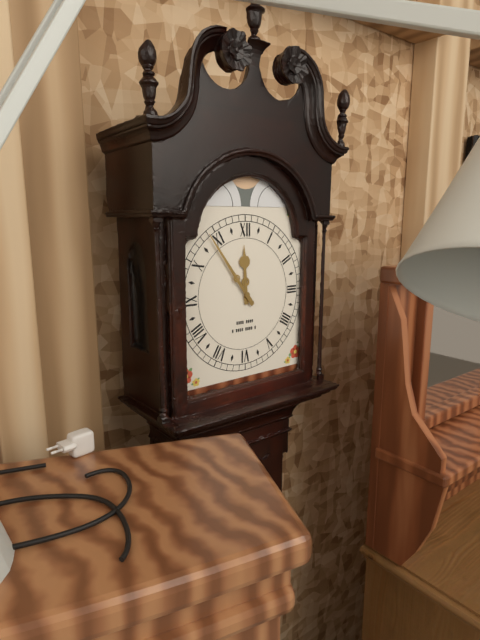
11:54
